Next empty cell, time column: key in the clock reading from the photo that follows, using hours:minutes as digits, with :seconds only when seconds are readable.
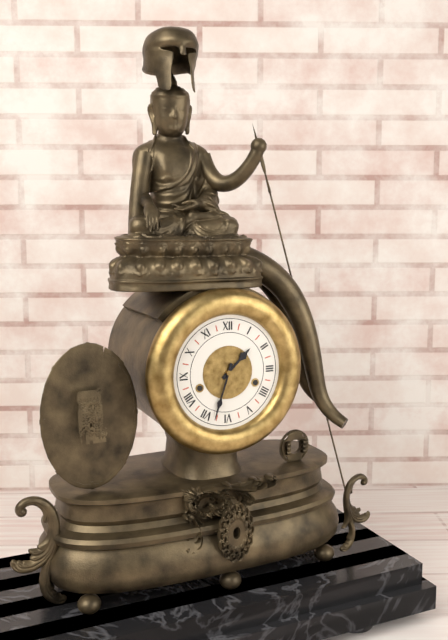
1:33
